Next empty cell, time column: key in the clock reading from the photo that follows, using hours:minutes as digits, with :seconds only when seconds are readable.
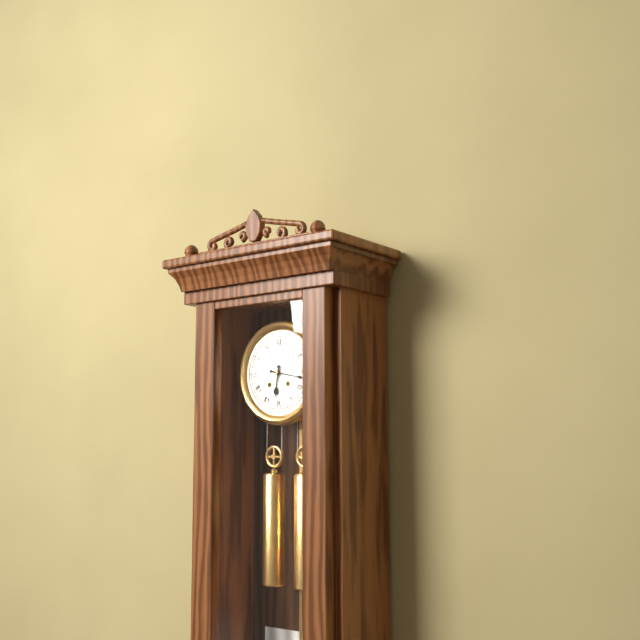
6:17
